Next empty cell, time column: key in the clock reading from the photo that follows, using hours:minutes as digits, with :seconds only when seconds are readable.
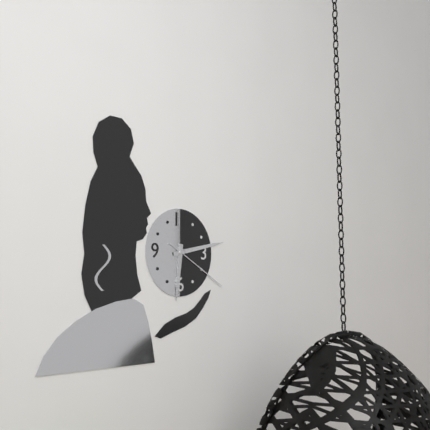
6:13:20
